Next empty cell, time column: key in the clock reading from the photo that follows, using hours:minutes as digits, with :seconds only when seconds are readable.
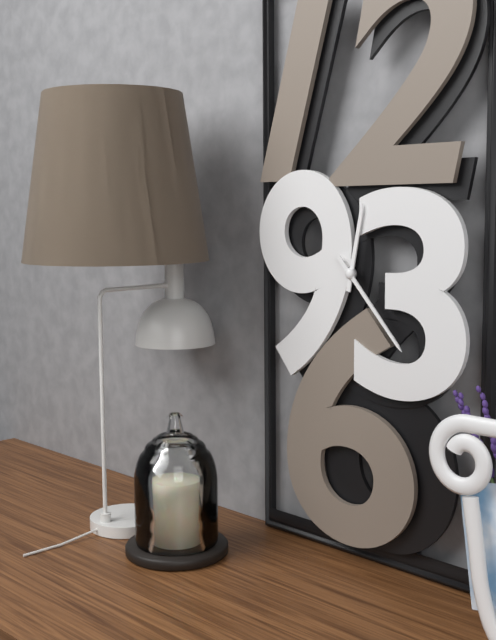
12:23
